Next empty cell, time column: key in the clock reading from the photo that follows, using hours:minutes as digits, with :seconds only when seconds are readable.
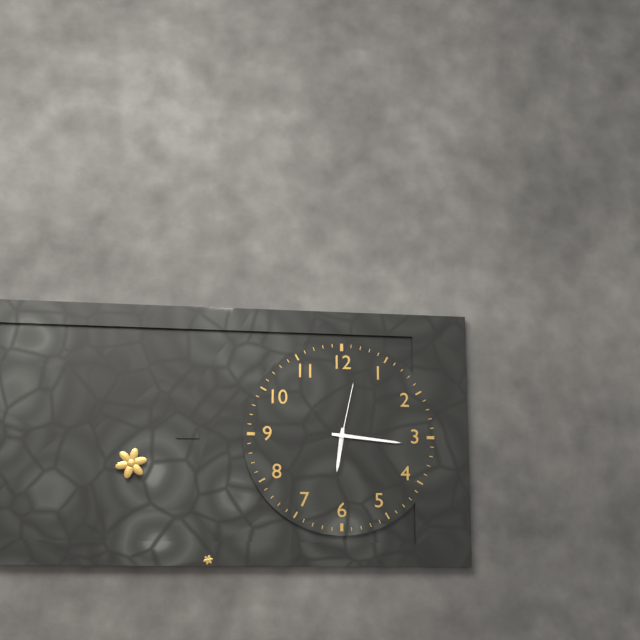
6:16:02
